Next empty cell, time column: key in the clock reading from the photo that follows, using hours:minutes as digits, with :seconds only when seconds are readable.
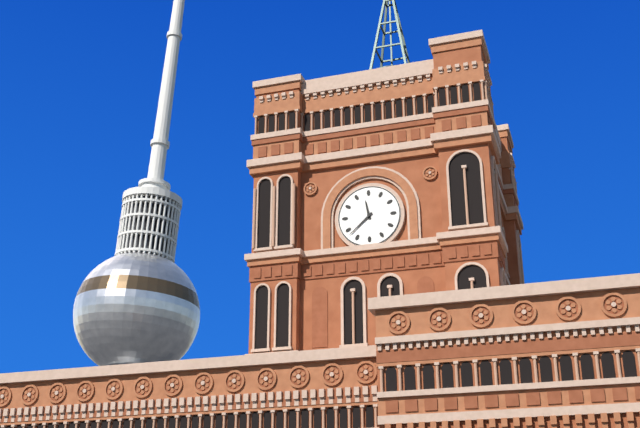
11:38
